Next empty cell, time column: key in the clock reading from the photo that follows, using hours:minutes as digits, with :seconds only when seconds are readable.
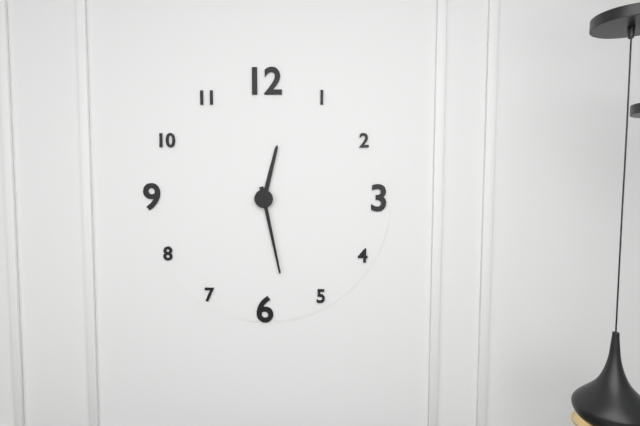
12:28
